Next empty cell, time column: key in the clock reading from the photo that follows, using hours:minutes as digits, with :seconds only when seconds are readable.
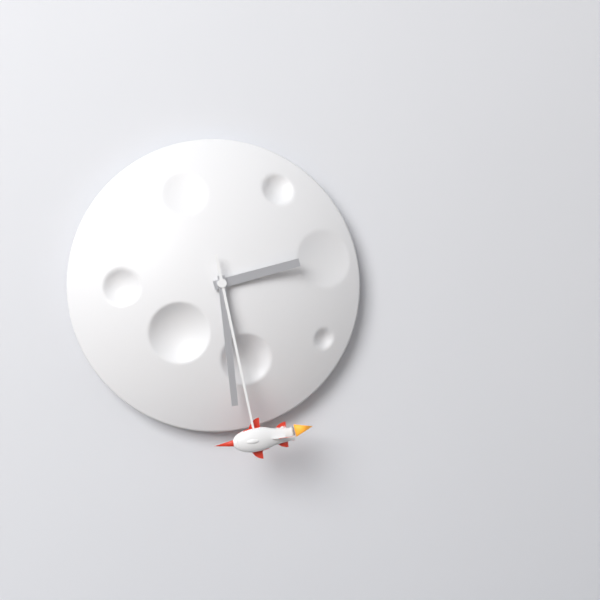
2:29:28
